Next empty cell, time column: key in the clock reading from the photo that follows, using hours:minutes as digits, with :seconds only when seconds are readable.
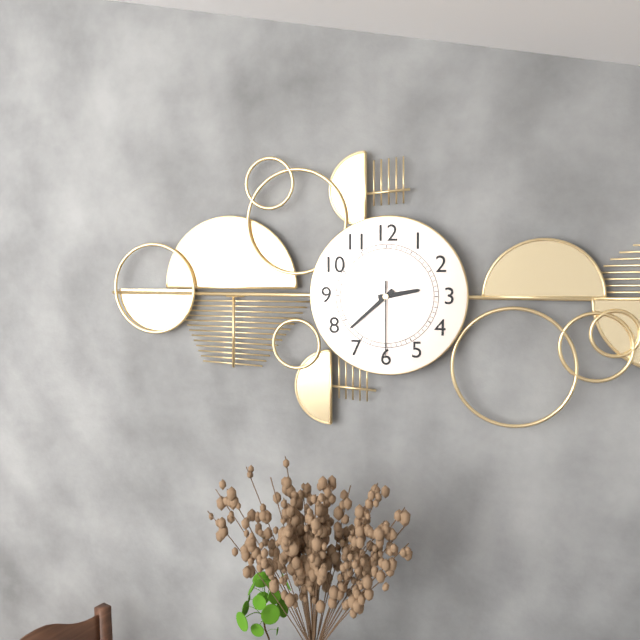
2:38:30
